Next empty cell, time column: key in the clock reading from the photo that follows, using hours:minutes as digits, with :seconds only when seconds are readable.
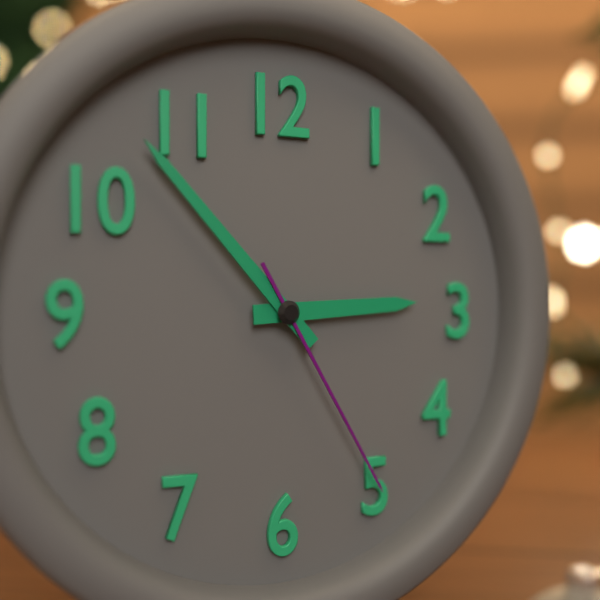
2:53:25
